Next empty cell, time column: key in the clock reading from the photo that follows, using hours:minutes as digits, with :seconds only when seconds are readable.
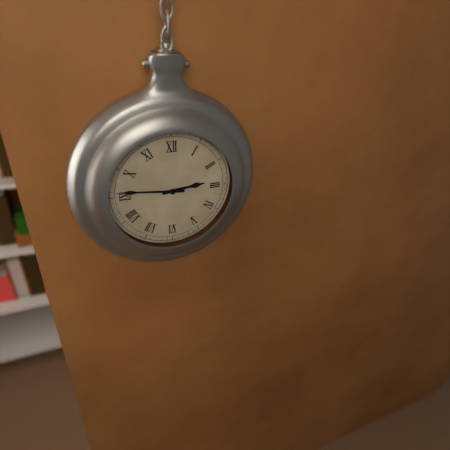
2:46
